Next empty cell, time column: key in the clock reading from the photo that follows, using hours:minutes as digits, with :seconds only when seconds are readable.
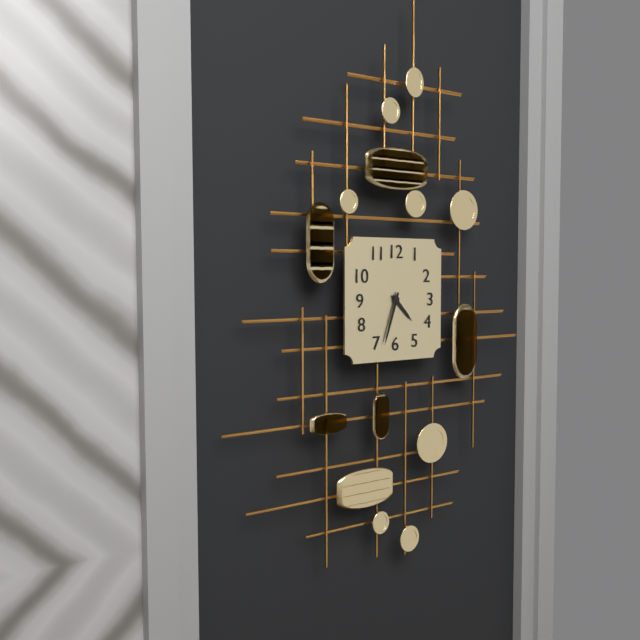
4:33
